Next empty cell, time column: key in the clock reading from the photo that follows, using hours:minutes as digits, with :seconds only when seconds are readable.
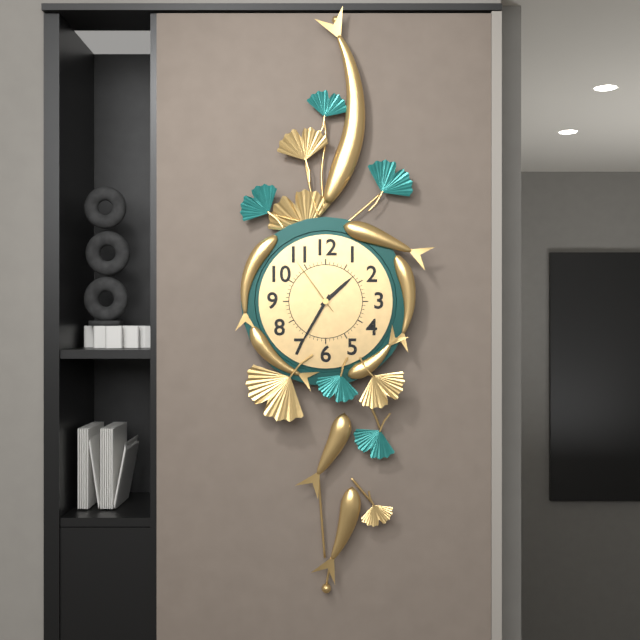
1:35:54
